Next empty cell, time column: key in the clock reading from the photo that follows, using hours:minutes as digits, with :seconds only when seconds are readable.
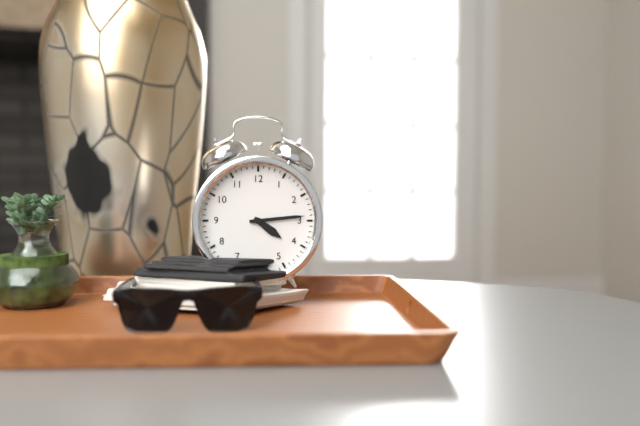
4:14
